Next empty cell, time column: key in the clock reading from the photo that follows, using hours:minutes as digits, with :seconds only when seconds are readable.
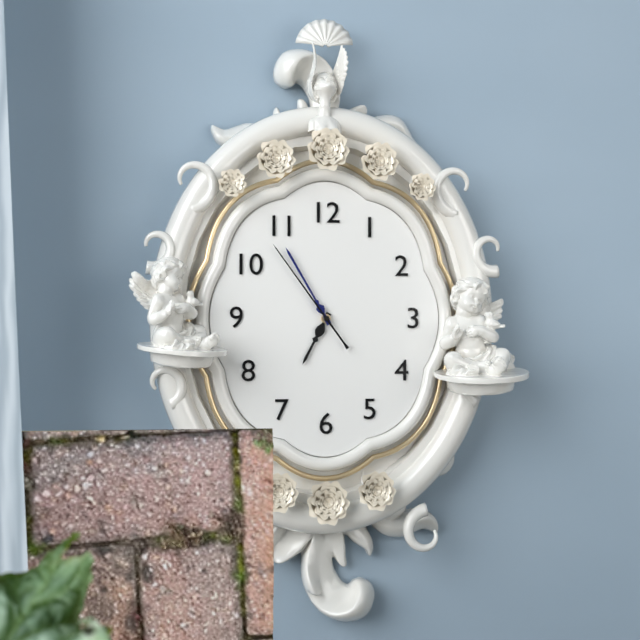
6:55:54
